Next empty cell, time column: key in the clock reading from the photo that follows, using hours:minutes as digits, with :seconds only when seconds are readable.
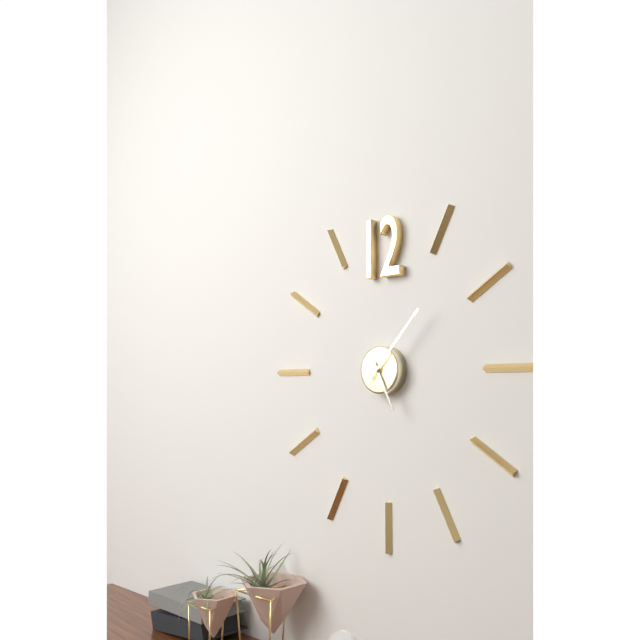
5:07
